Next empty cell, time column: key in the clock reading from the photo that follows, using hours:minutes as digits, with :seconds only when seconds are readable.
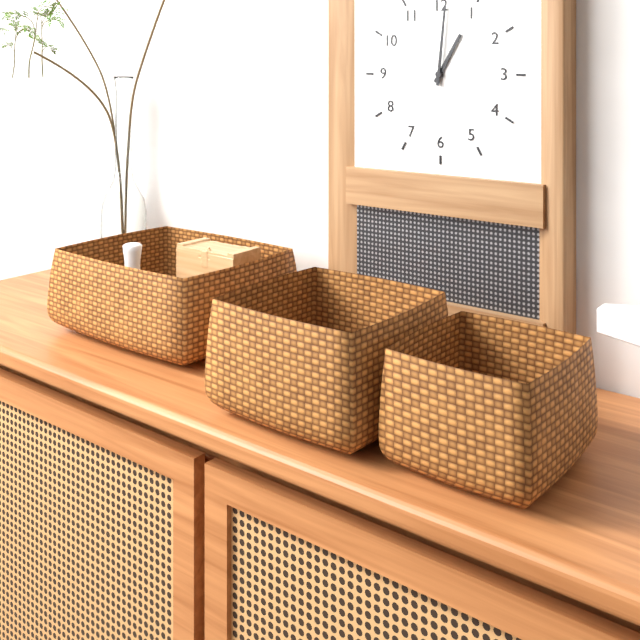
1:01
